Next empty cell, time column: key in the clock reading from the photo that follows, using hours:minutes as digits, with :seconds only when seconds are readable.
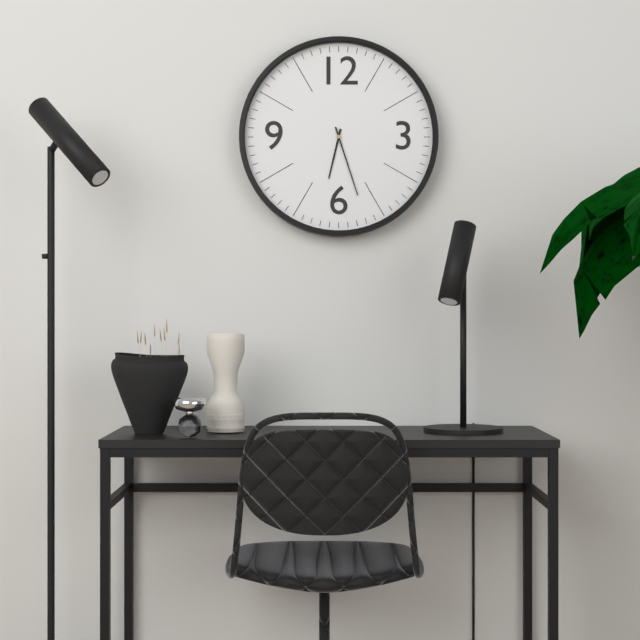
6:27
